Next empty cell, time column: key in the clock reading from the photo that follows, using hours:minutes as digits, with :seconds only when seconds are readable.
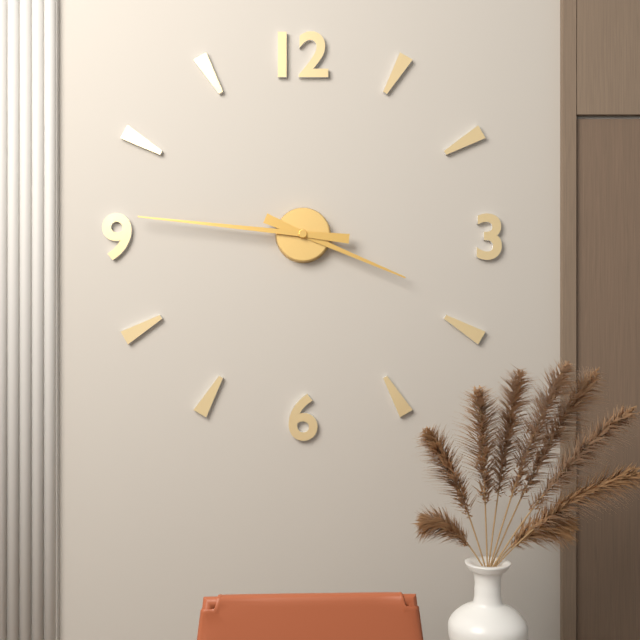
3:46
